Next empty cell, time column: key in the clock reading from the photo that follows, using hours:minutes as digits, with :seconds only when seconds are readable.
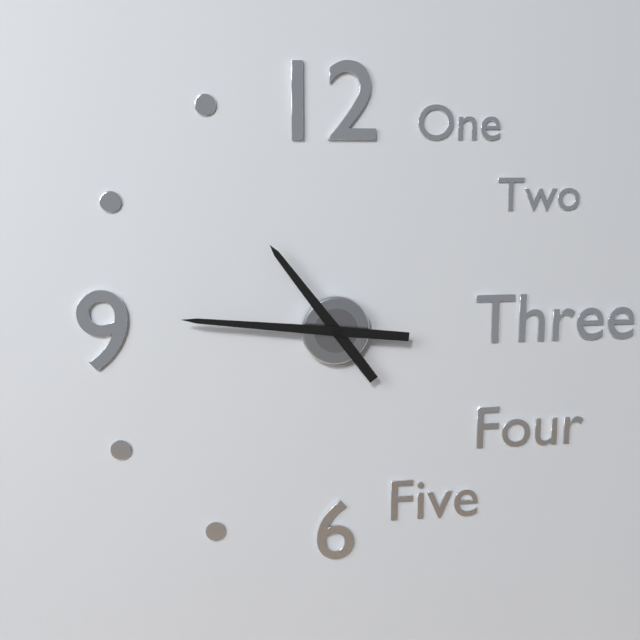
10:46
